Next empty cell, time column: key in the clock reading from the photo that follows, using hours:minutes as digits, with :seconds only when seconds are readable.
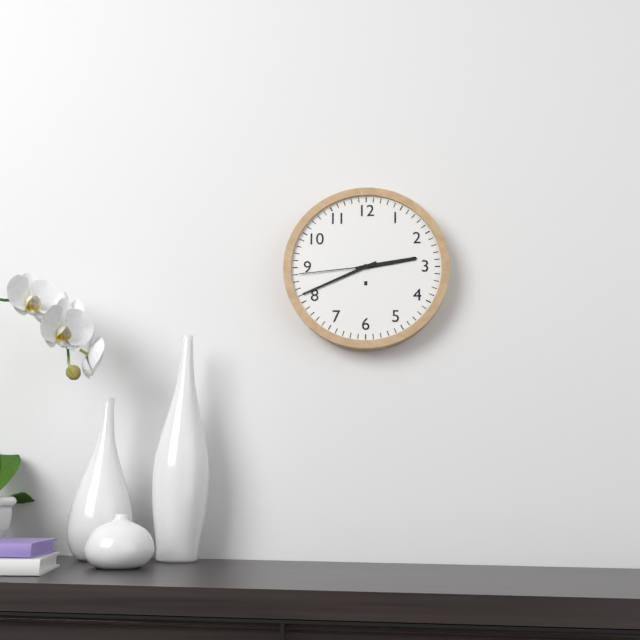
2:41:44
